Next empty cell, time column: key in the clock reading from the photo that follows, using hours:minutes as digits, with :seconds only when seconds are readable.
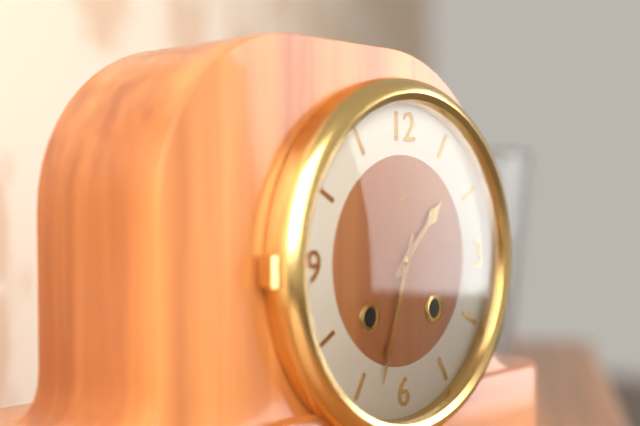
1:33
